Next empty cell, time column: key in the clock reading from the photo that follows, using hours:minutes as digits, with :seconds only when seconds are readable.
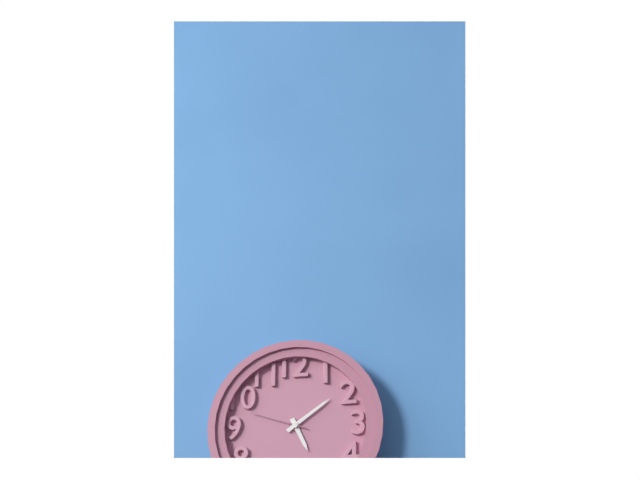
5:09:48
